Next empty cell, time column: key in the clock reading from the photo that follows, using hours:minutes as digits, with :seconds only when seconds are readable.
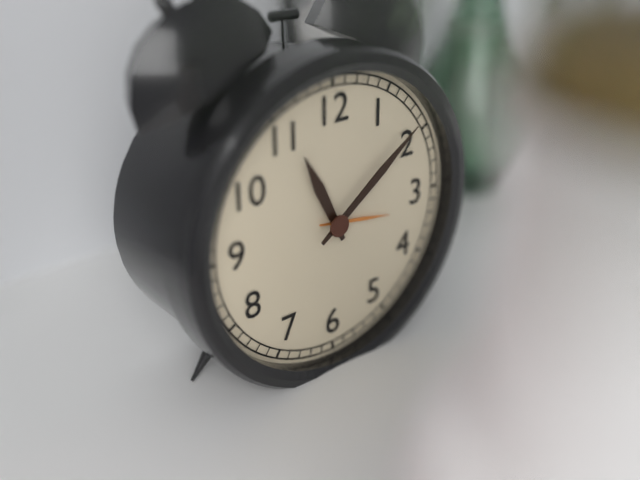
11:09
